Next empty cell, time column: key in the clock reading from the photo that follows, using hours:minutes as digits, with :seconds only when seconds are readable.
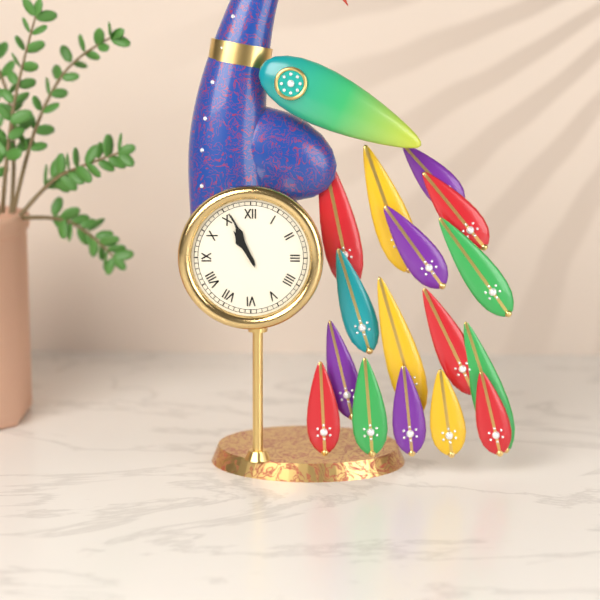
10:56
